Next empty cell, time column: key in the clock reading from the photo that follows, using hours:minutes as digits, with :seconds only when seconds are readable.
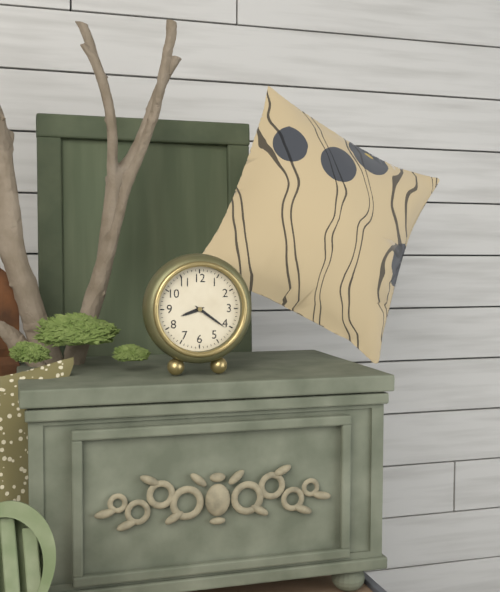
8:21
